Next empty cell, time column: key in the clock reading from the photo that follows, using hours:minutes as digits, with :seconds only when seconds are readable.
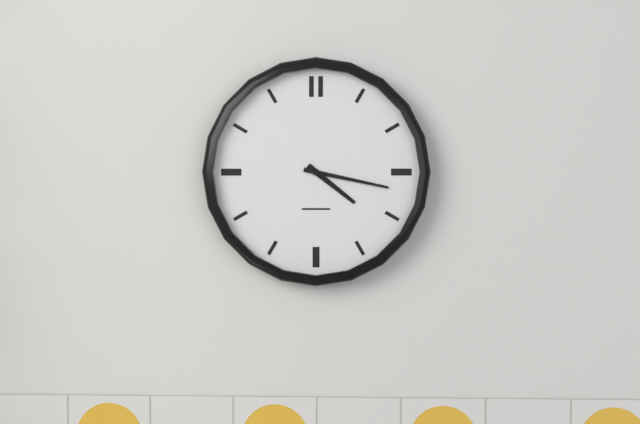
4:17
